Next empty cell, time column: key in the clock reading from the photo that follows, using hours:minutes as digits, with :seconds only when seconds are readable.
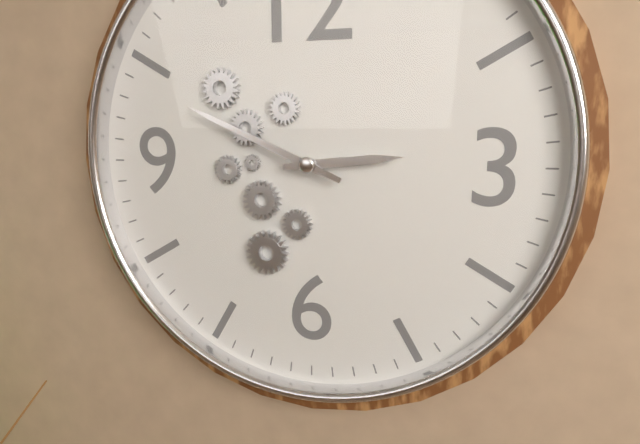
2:49
